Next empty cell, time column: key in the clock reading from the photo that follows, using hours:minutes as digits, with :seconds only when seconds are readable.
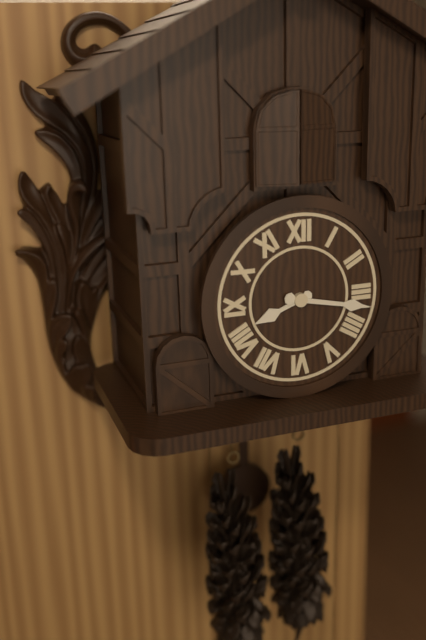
8:17
